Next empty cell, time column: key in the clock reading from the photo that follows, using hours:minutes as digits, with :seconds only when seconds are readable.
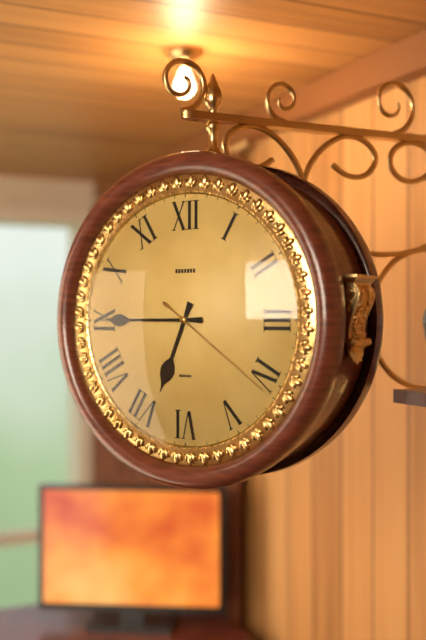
6:45:21
